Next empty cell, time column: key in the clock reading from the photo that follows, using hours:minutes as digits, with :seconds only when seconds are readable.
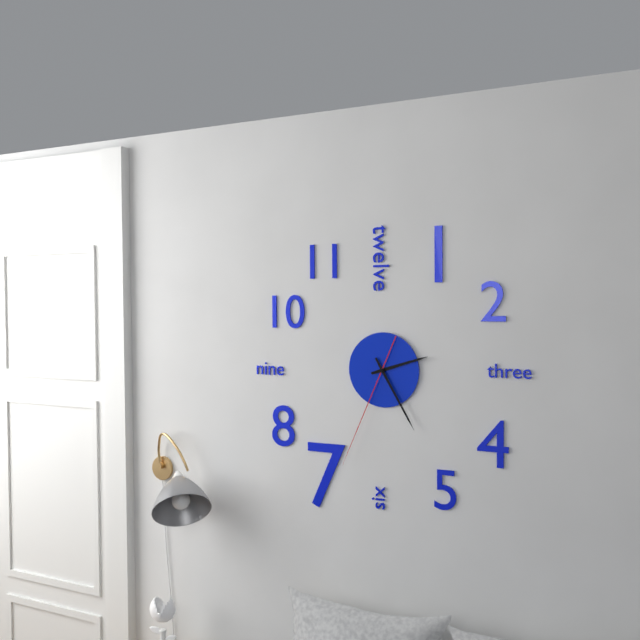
2:25:34
